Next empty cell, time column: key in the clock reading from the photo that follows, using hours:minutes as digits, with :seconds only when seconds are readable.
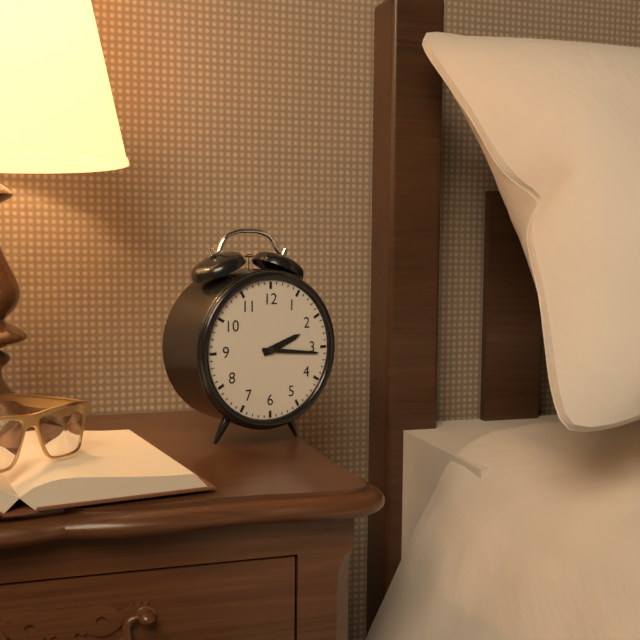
2:16
